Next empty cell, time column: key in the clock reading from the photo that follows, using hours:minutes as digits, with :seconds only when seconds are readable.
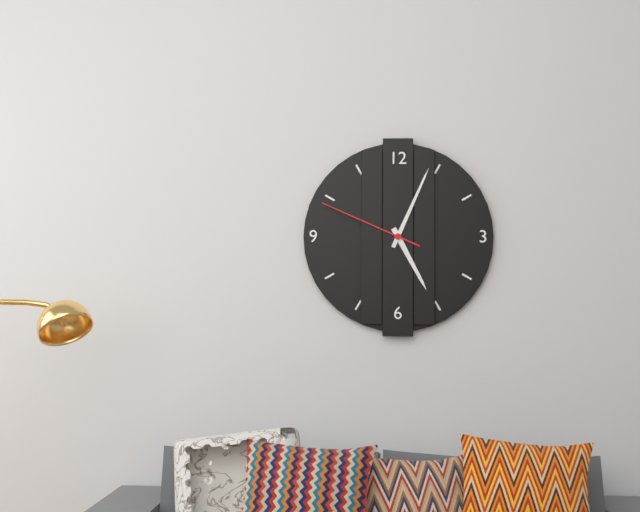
5:04:49
